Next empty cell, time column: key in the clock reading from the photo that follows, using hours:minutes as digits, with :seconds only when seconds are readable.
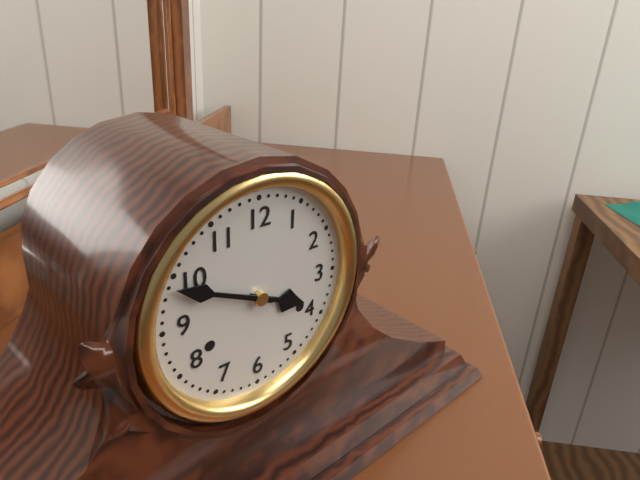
3:49
